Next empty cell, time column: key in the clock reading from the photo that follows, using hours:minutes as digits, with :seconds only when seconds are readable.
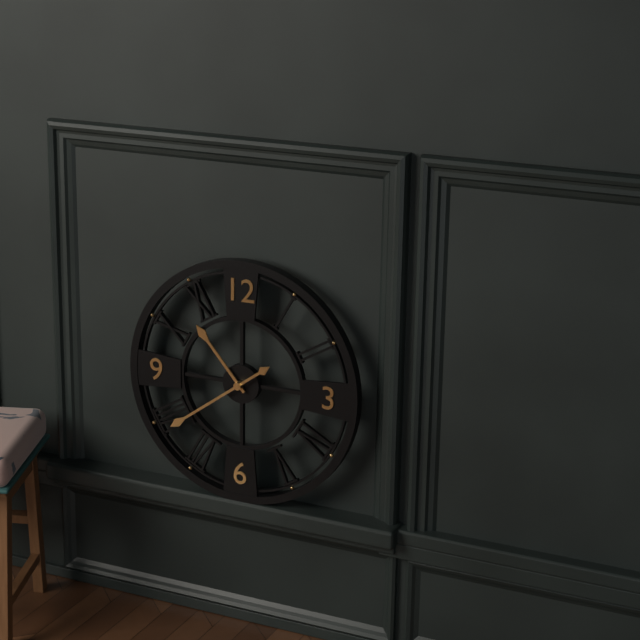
10:39
